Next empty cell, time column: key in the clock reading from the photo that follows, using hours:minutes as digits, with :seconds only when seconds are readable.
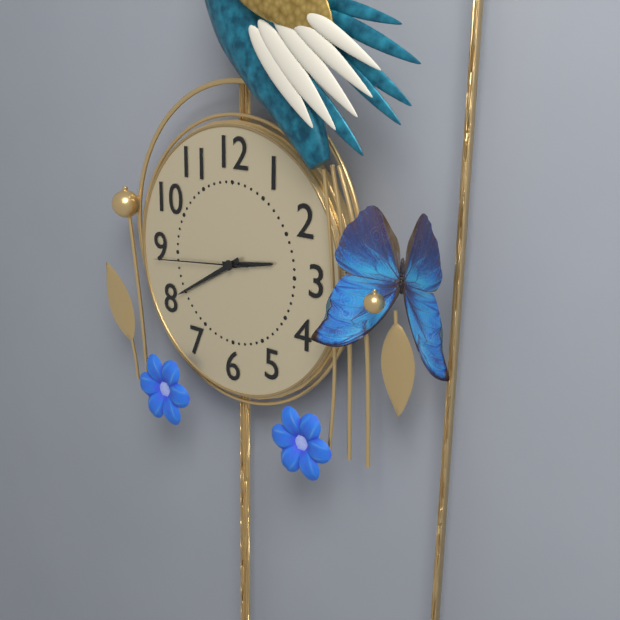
2:40:44
